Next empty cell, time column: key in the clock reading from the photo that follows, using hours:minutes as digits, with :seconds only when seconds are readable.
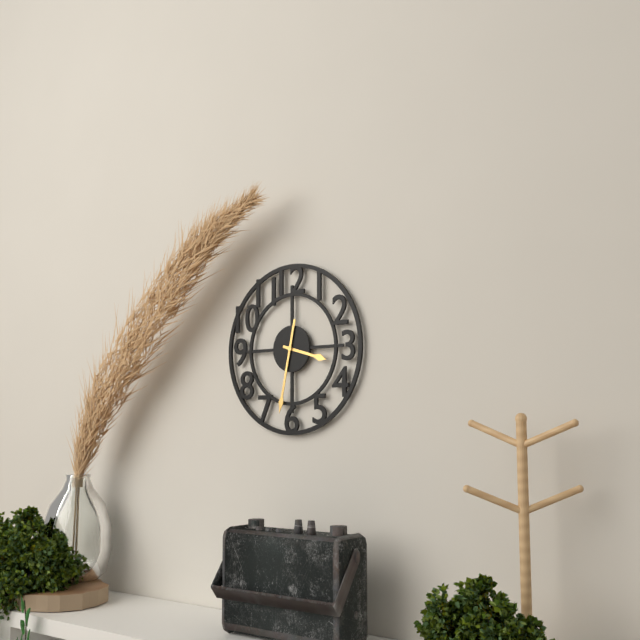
3:32
